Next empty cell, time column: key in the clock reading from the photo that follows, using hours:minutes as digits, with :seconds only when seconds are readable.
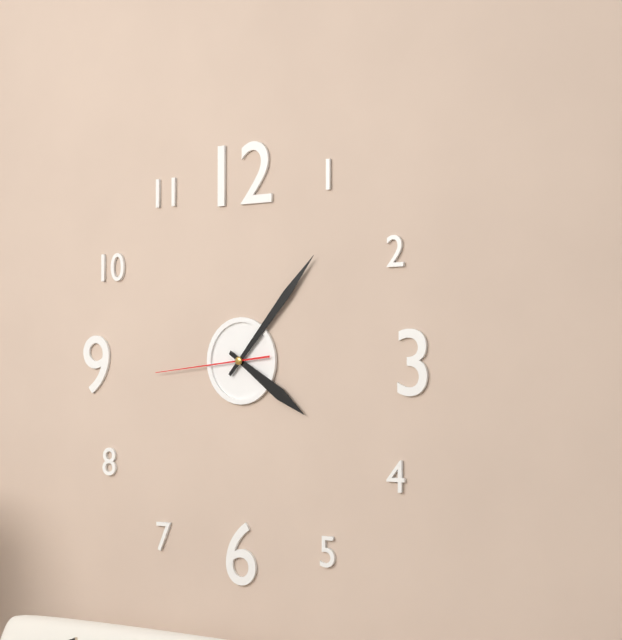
4:07:44
